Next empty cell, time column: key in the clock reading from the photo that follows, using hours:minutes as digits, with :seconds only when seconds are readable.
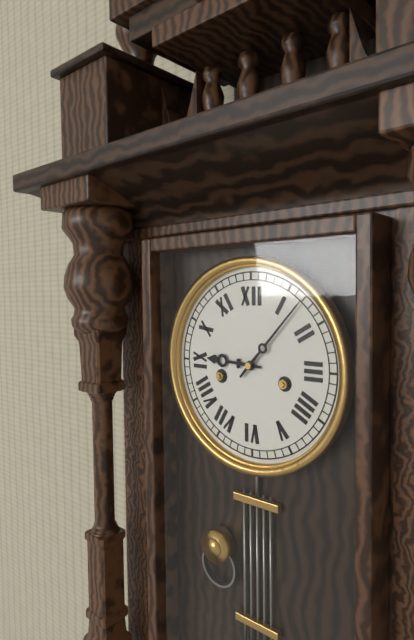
9:07
